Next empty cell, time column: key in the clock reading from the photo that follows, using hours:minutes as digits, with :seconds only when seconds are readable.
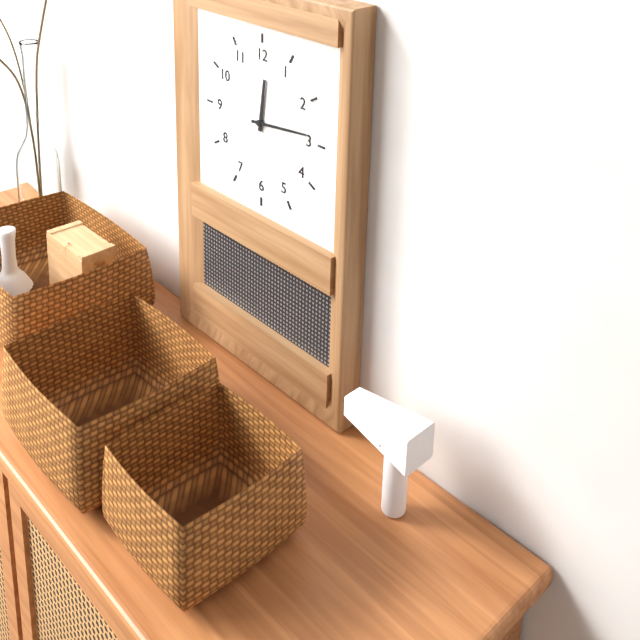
12:14
